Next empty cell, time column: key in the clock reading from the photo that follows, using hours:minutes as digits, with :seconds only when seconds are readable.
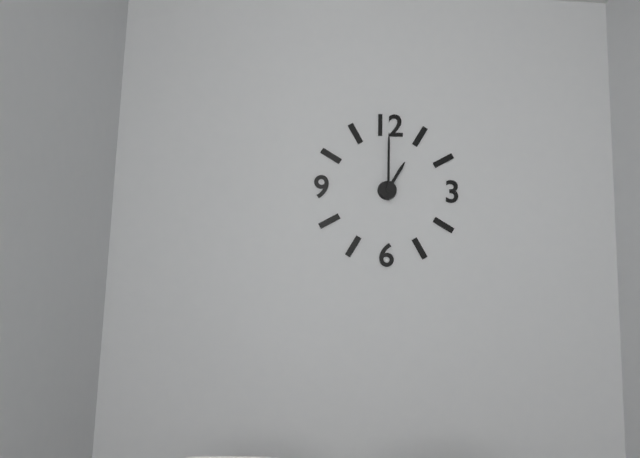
1:00
